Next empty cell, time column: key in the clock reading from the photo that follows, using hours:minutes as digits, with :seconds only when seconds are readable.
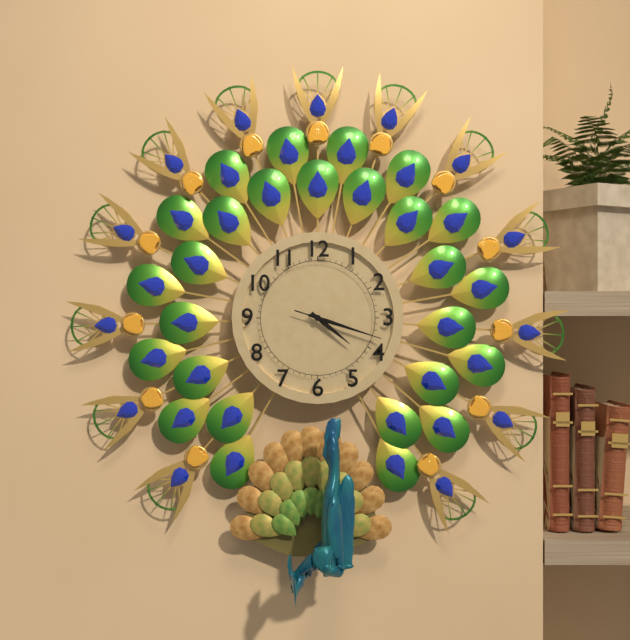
4:18:18
